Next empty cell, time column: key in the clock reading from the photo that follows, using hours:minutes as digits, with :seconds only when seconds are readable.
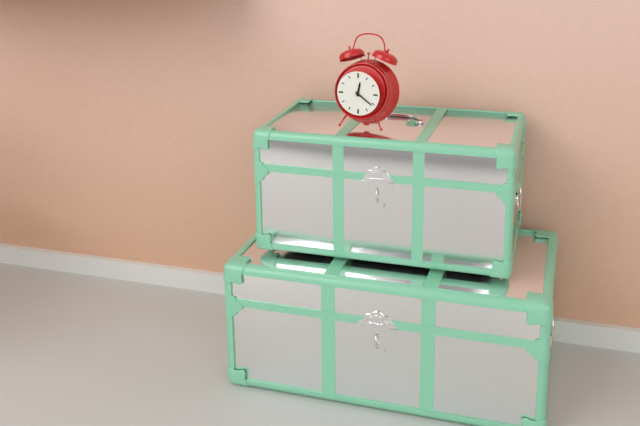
12:21
